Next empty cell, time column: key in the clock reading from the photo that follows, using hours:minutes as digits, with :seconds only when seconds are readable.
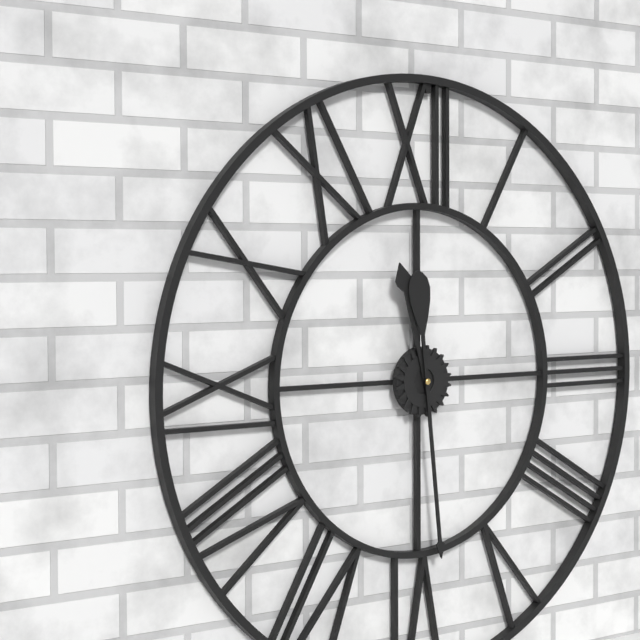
11:29
